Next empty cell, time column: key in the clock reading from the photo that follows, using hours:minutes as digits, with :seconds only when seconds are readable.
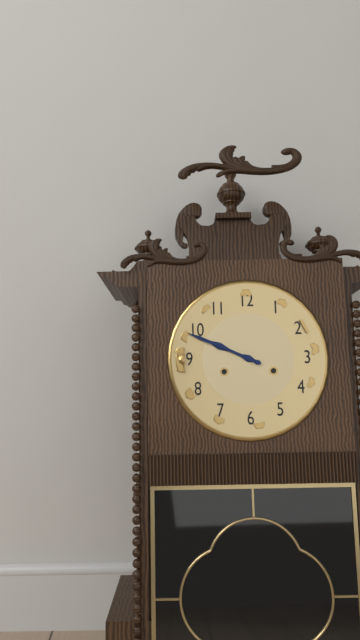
9:49
